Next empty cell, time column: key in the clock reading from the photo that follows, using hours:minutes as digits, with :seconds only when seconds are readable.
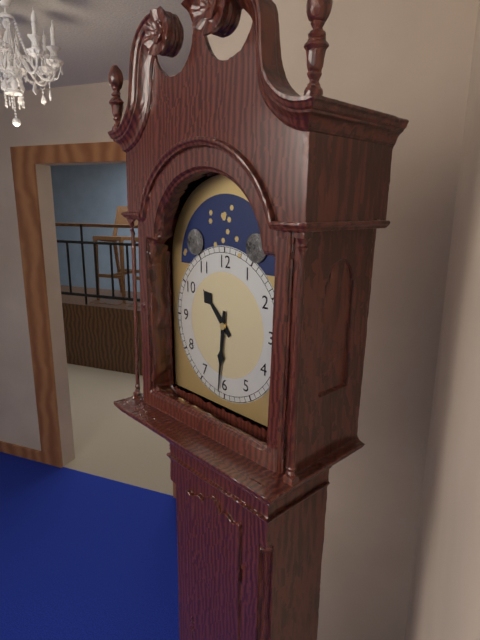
10:31
